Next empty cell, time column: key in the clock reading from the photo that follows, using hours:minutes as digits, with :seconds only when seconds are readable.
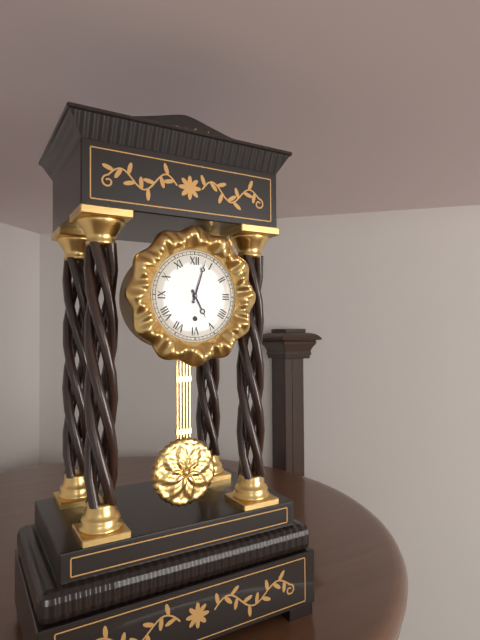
5:03
